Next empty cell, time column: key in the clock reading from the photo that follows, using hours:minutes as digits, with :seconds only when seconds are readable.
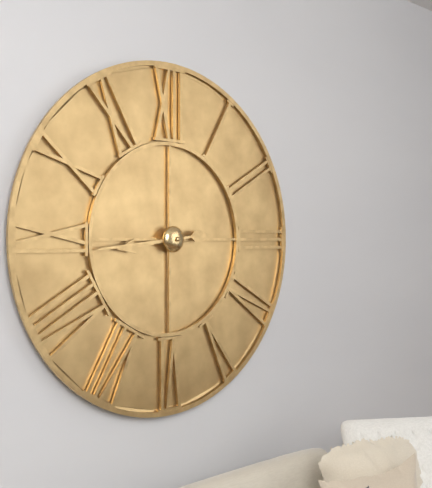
8:44
